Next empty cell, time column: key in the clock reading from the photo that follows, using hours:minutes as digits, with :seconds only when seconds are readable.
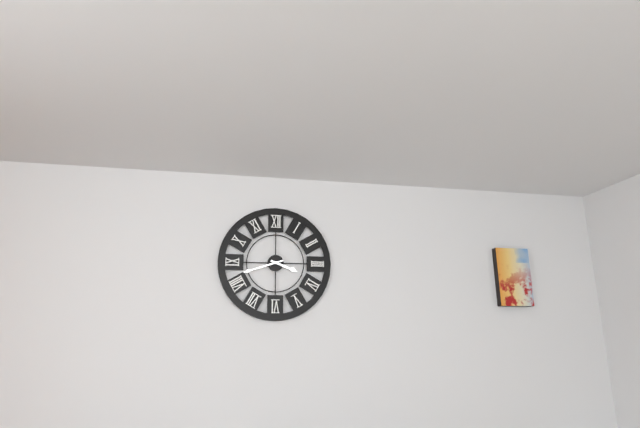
3:42
